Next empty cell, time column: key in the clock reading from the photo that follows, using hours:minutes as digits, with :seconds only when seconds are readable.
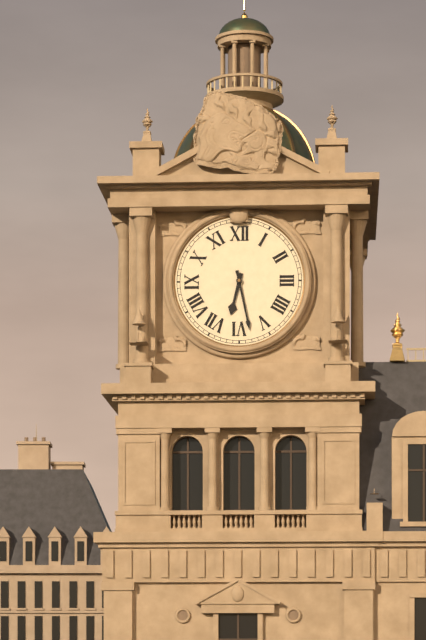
6:28
